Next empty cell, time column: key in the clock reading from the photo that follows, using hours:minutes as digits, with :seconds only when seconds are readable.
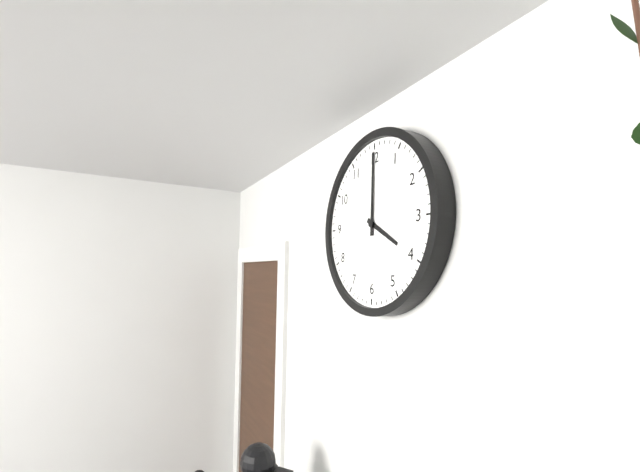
4:00
